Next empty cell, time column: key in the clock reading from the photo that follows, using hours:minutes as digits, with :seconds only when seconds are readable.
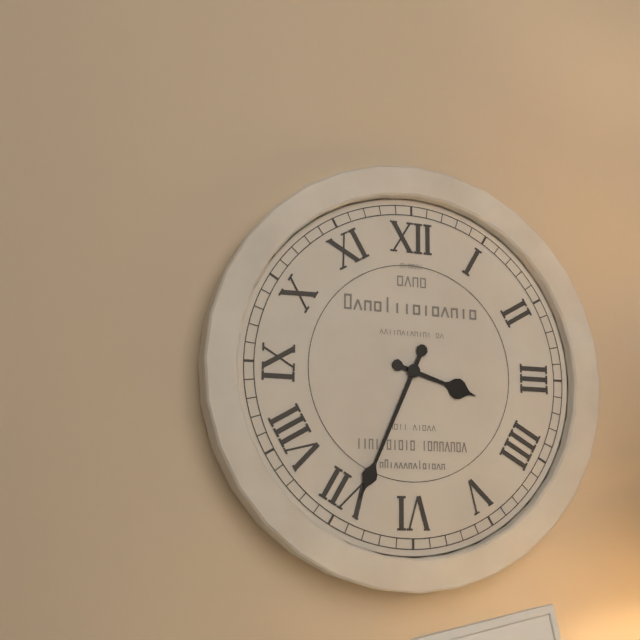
3:34
